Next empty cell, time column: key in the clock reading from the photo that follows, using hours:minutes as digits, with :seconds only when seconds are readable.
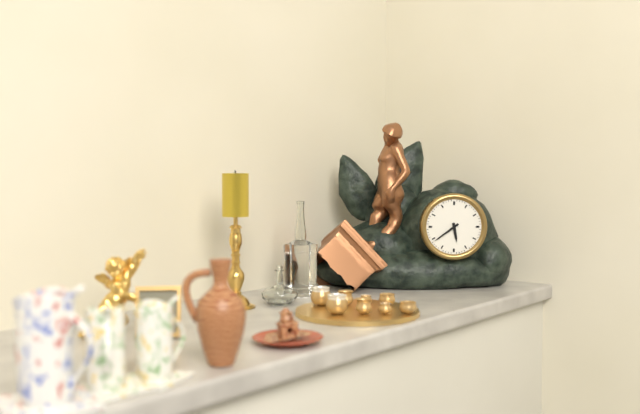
5:39
